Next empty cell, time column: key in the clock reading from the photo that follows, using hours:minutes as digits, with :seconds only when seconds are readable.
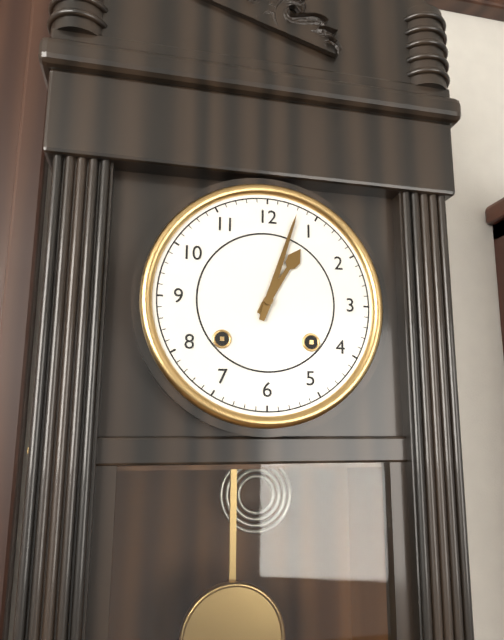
1:03
